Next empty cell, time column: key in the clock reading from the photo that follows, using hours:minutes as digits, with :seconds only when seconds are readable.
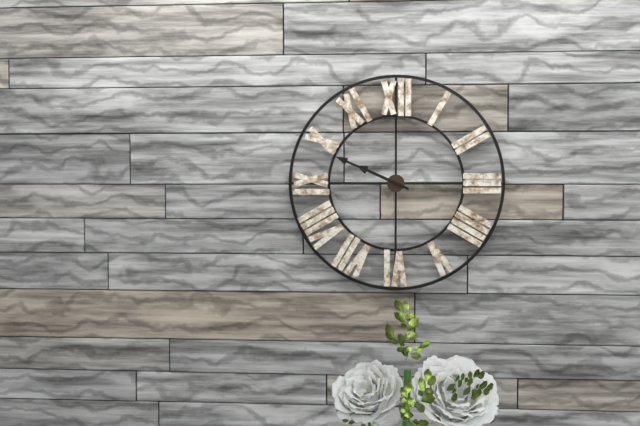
9:49
